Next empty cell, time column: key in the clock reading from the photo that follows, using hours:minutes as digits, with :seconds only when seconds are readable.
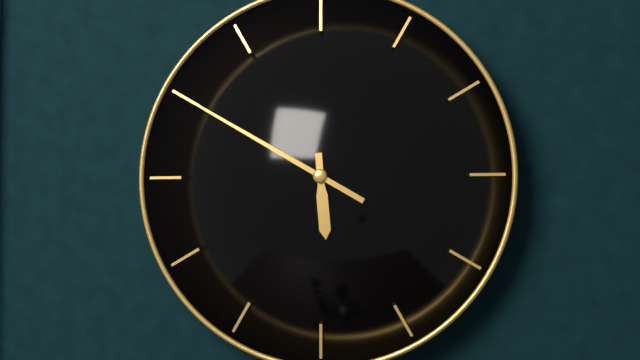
5:50
